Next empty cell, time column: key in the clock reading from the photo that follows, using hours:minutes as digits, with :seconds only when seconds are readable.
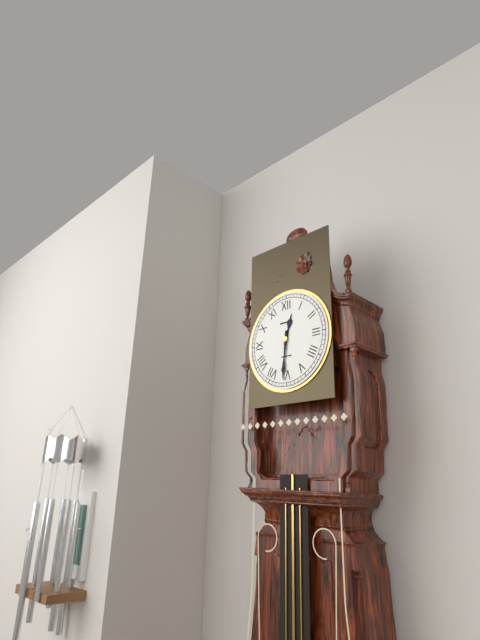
12:31
